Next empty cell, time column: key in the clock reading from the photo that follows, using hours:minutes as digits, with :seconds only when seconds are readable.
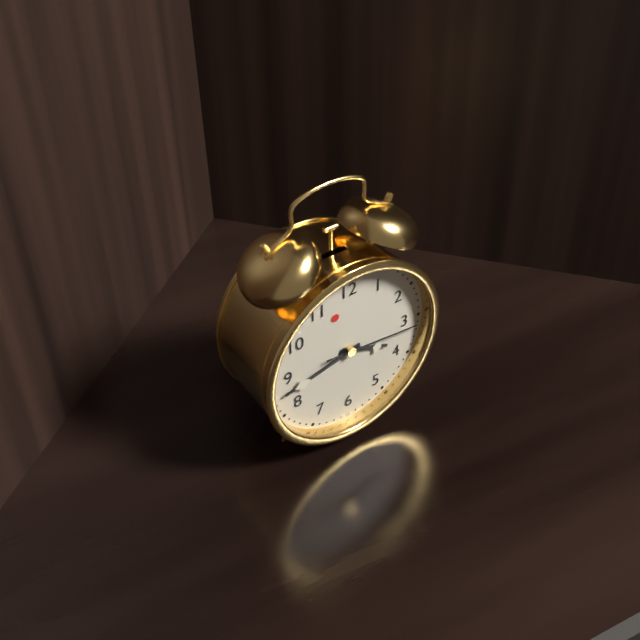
3:43:16
